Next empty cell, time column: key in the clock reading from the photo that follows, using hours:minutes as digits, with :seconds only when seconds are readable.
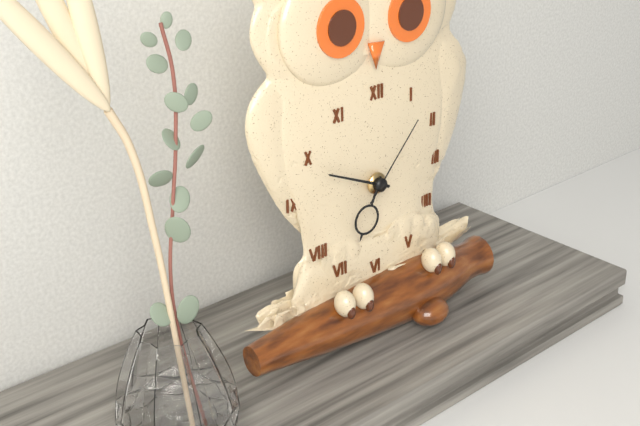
6:49:07
